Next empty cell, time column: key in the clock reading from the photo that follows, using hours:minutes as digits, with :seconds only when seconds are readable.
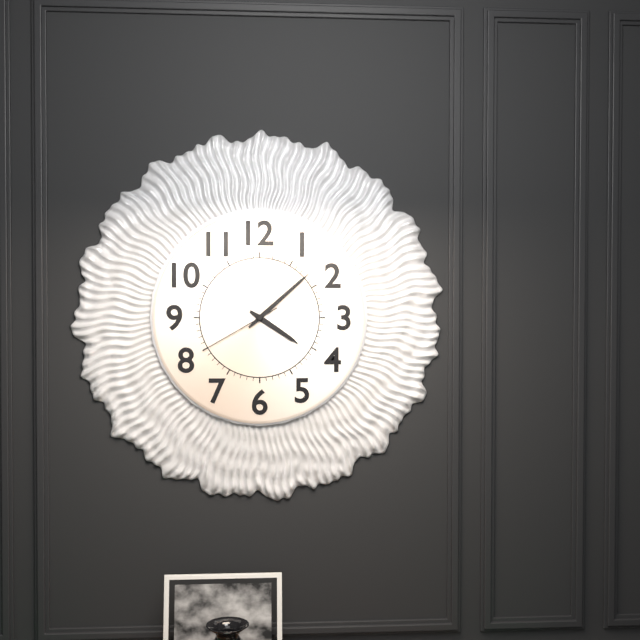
4:08:40
